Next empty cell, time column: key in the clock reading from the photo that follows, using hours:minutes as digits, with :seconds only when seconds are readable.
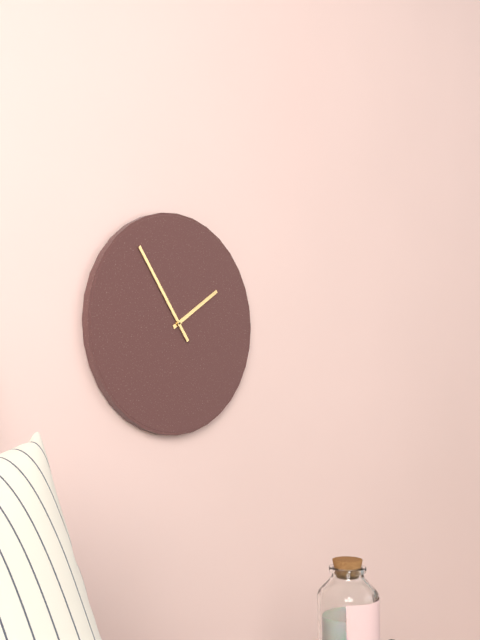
1:54
